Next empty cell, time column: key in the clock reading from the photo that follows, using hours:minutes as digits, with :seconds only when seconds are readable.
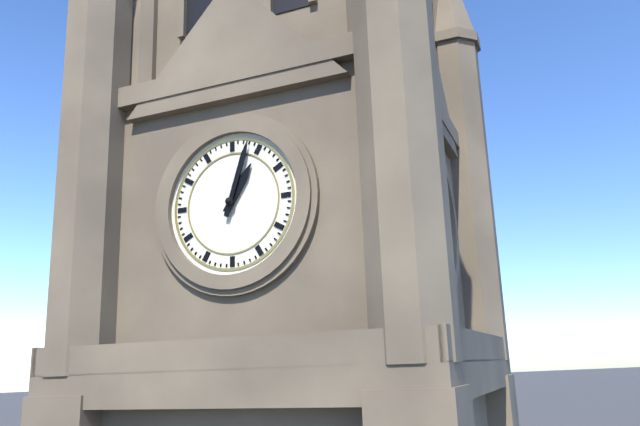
1:03
